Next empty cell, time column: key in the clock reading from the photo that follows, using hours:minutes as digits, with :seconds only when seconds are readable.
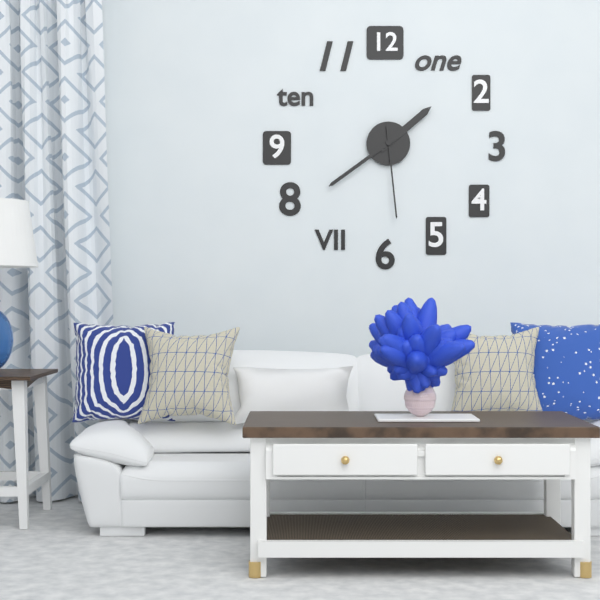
1:39:29
